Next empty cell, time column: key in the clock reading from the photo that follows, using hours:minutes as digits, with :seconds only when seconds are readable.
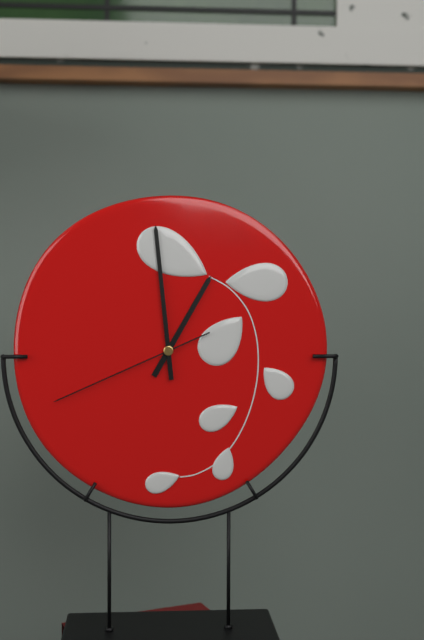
12:59:41
